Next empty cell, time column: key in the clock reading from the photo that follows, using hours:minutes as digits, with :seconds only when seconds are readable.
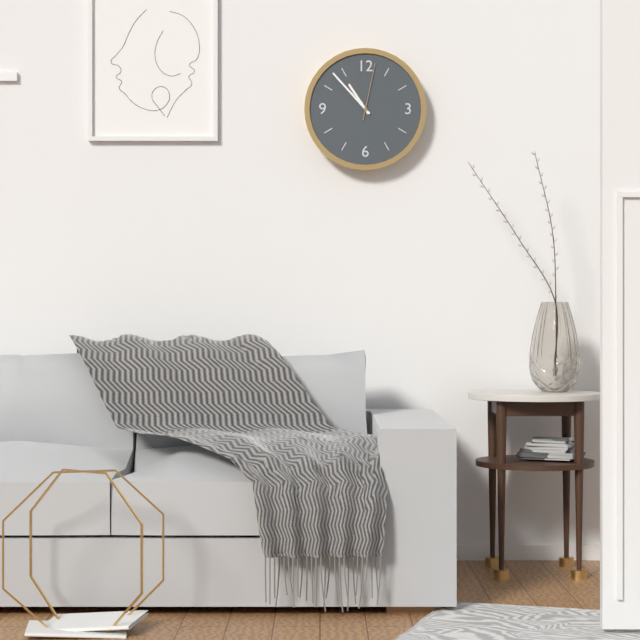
10:53:02
